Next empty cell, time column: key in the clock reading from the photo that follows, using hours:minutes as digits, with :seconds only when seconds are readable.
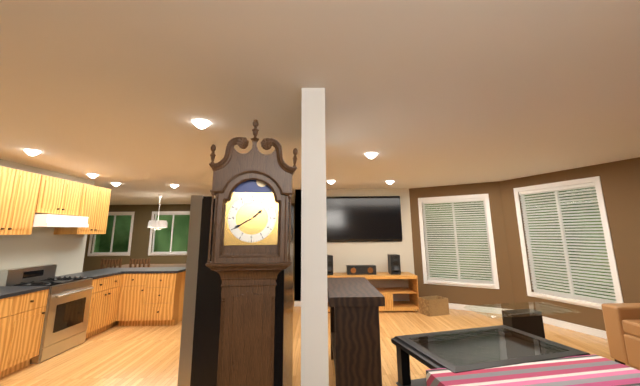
1:40
